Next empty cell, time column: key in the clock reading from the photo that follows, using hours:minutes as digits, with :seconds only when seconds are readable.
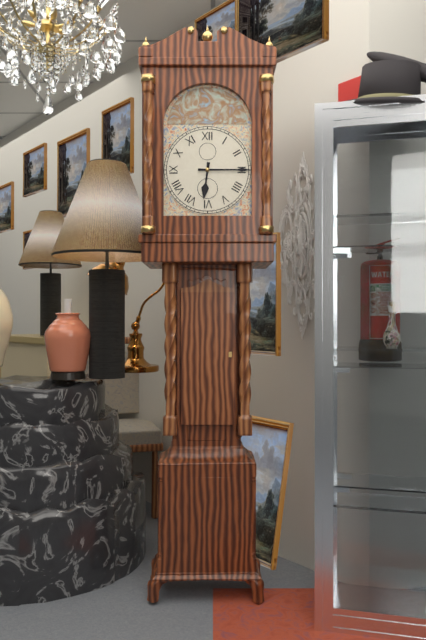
6:15
